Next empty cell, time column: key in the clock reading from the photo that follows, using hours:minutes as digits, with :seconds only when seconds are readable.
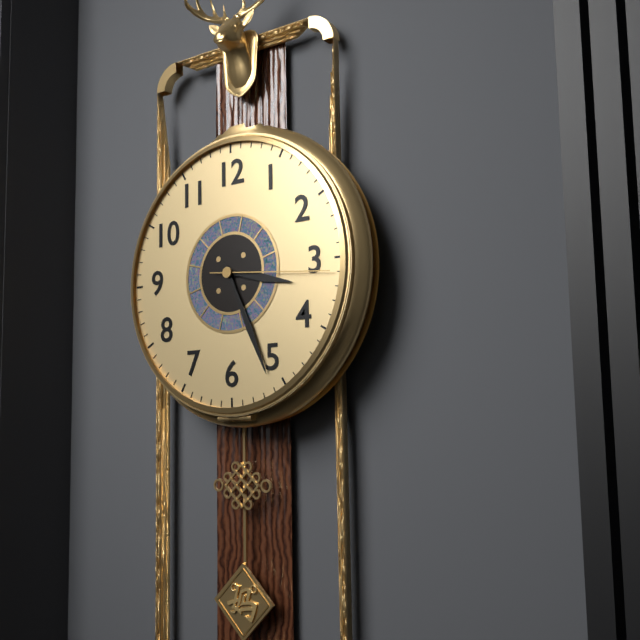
3:26:16
